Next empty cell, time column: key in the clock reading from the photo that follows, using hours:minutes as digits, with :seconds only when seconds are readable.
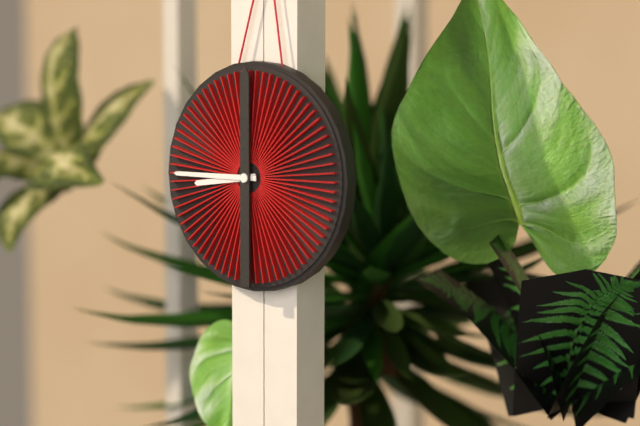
8:45:00
